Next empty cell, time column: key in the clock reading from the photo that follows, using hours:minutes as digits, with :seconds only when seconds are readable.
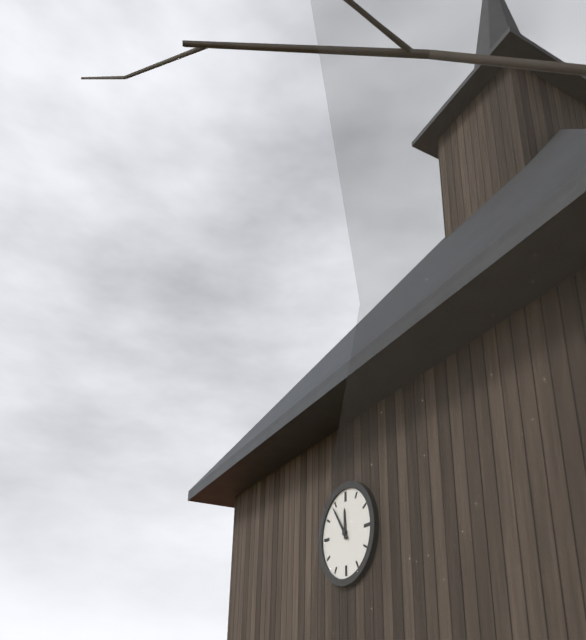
11:54
